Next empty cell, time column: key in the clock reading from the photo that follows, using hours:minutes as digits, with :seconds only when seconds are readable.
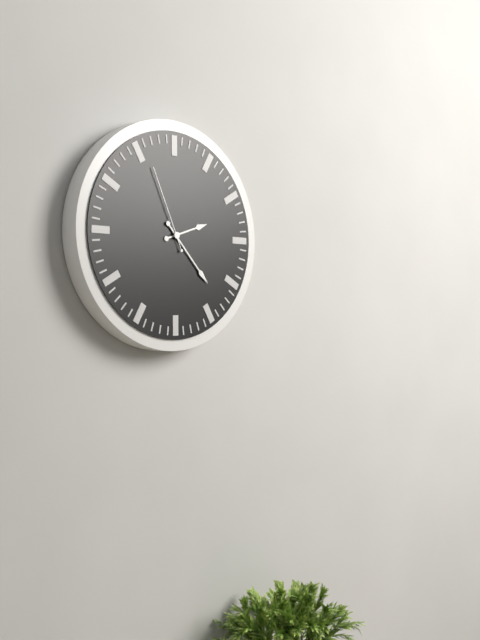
2:23:56
